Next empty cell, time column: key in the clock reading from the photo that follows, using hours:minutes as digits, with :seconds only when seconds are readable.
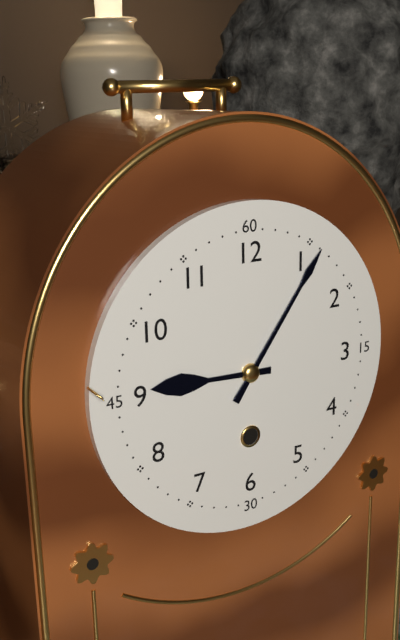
9:06
